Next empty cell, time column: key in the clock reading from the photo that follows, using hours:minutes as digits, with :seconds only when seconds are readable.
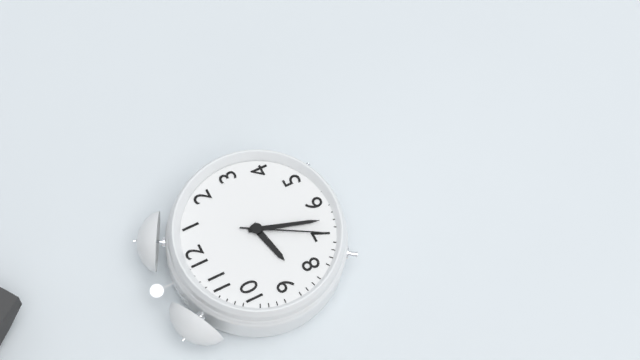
8:33:35
